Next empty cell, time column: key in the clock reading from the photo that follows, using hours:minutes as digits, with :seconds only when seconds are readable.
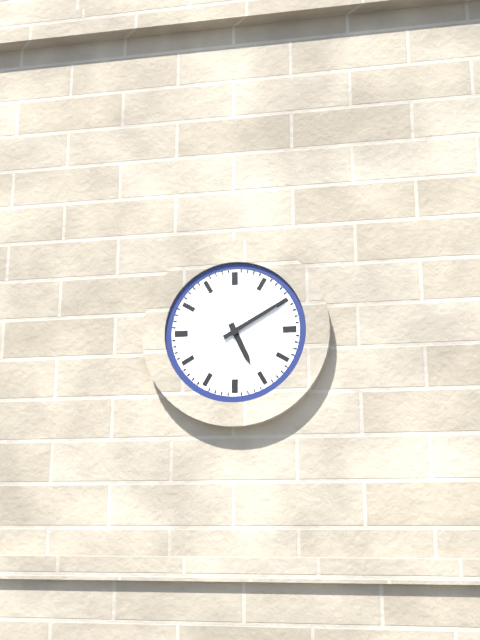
5:10
